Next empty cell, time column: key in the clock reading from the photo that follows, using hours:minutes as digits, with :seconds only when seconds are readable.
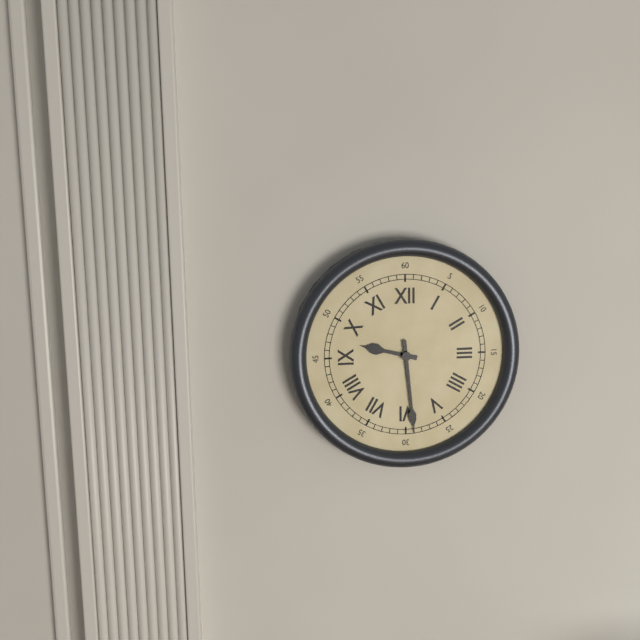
9:29
